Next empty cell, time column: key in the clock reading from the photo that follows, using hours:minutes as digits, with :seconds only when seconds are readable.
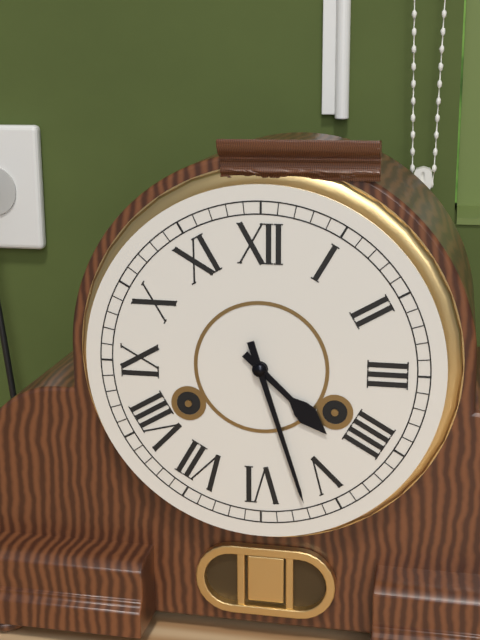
4:27
